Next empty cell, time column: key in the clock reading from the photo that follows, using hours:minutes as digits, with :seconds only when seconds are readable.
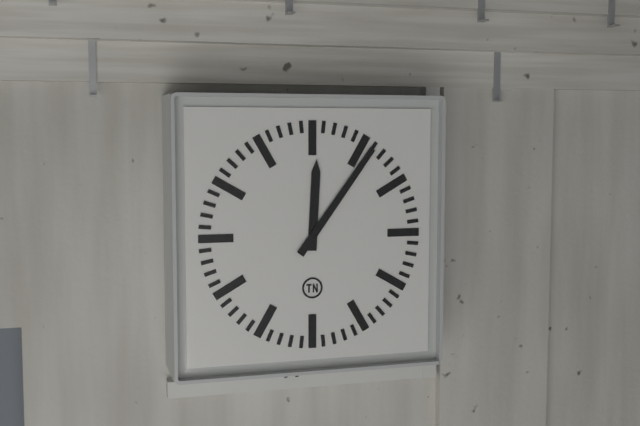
12:06
